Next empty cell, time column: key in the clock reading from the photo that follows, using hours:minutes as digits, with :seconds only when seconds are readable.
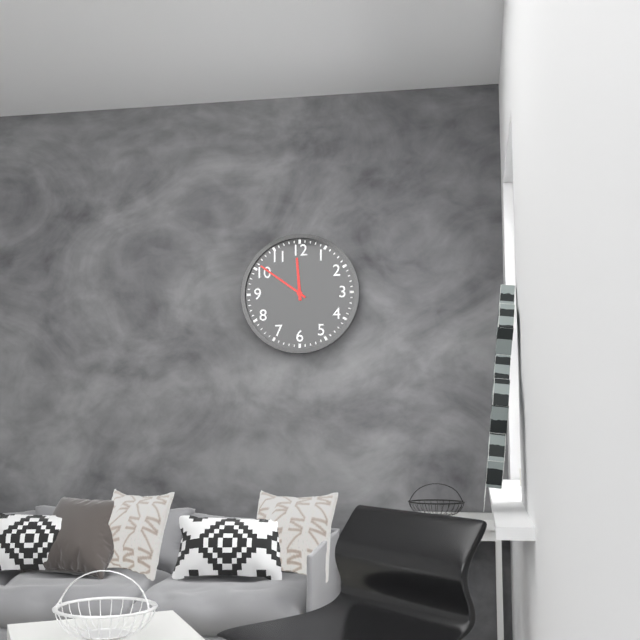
11:51
